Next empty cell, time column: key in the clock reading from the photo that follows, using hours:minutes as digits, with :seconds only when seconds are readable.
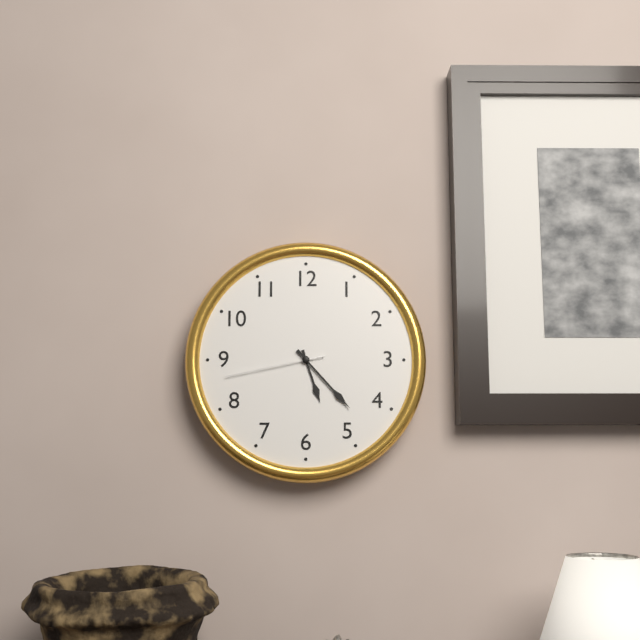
5:23:43
